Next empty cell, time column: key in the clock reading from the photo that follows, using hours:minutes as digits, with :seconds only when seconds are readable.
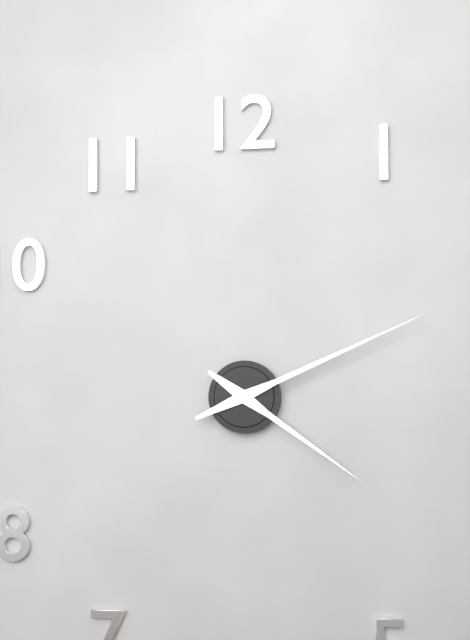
4:11
